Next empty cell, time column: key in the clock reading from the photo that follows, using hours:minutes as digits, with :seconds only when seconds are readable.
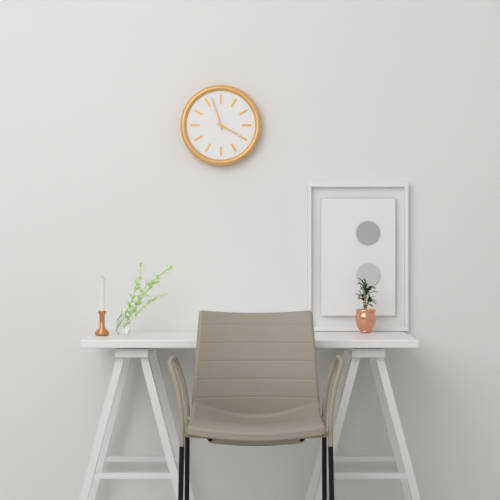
3:57
